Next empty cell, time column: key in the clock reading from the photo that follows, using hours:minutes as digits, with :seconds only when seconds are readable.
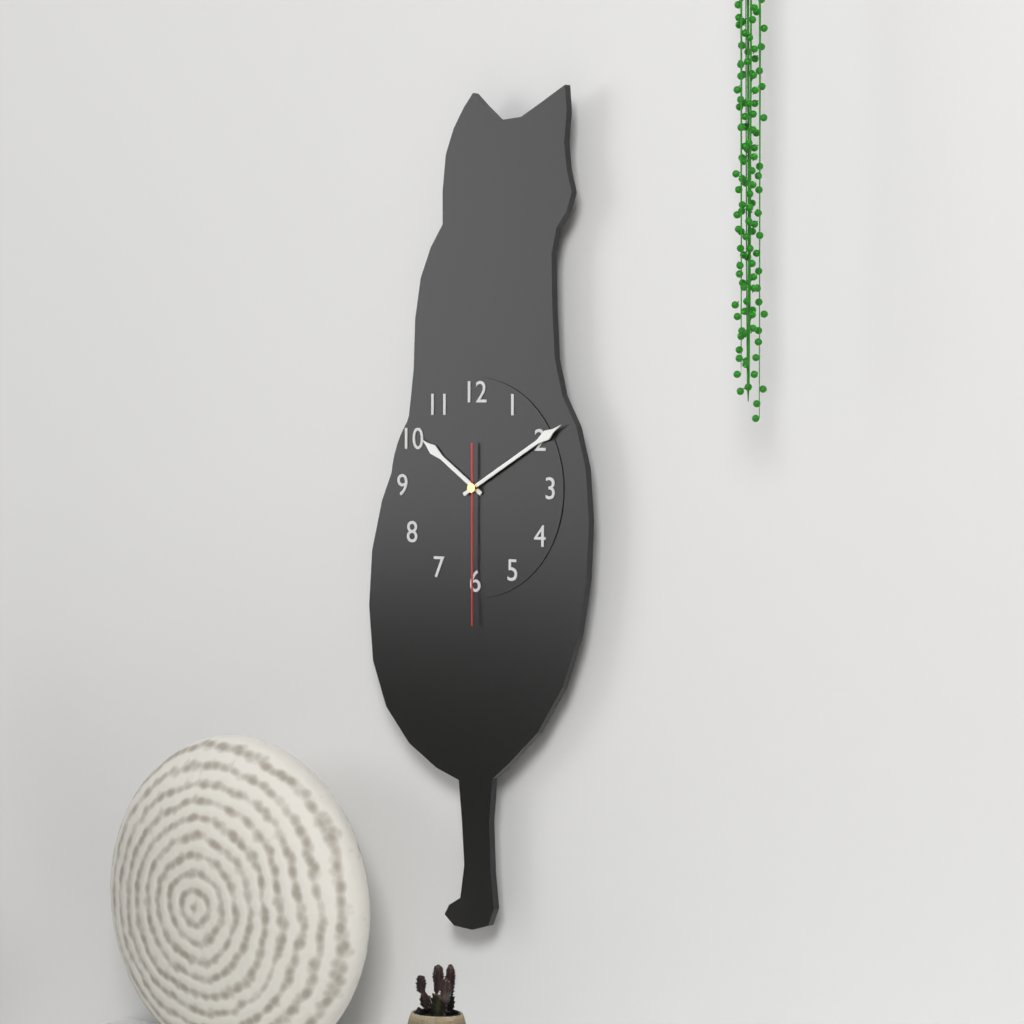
10:10:30
